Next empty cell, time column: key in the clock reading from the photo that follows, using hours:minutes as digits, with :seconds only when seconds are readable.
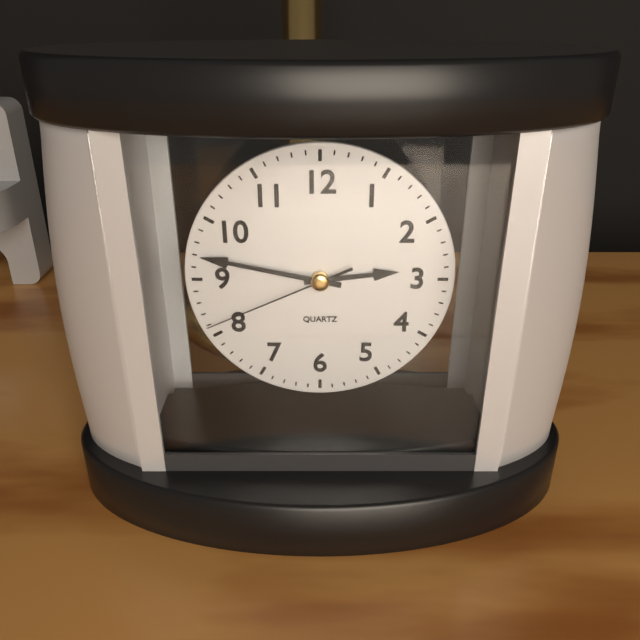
2:47:41
